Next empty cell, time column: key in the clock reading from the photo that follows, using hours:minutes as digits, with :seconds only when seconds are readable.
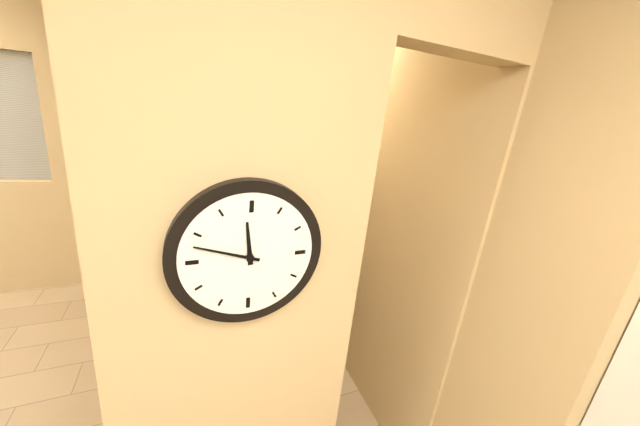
11:48
